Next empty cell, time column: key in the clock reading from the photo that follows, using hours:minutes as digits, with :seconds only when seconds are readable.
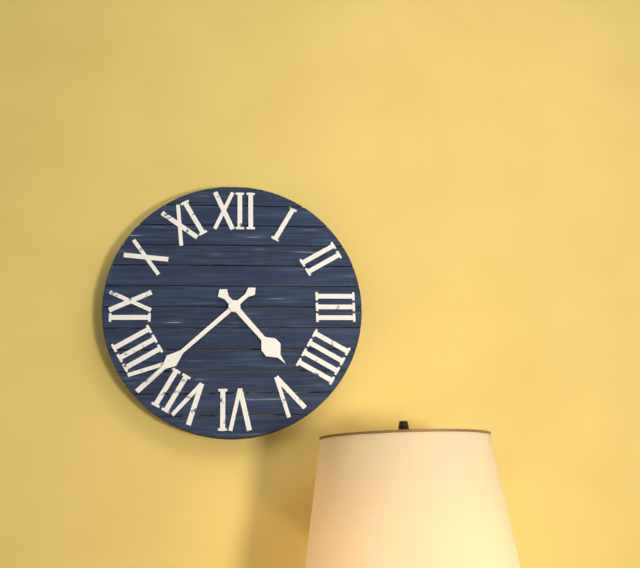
4:38
